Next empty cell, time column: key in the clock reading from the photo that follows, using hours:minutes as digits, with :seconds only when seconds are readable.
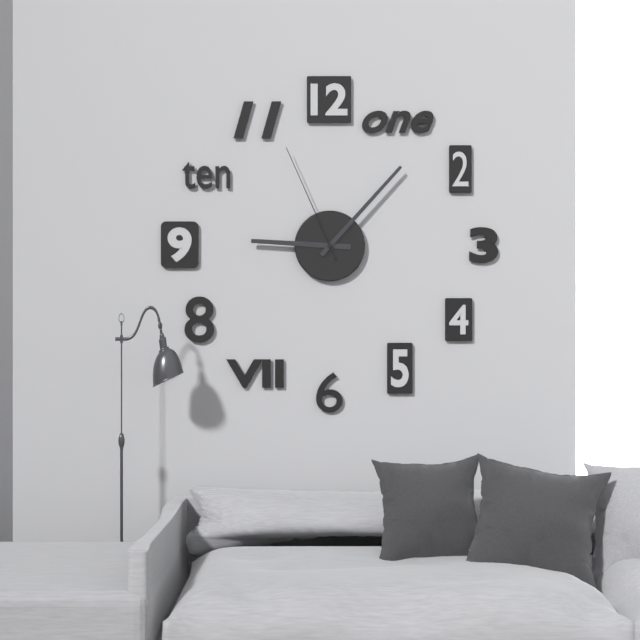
9:07:56
